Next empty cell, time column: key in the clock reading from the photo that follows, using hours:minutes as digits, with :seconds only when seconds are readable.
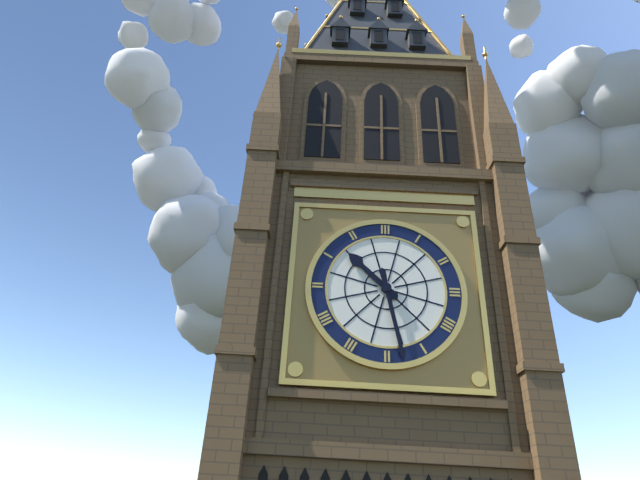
10:28
